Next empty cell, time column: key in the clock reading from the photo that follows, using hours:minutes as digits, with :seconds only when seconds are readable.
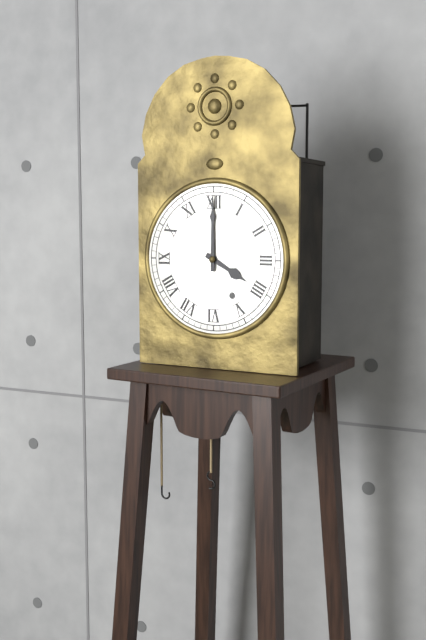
4:00
